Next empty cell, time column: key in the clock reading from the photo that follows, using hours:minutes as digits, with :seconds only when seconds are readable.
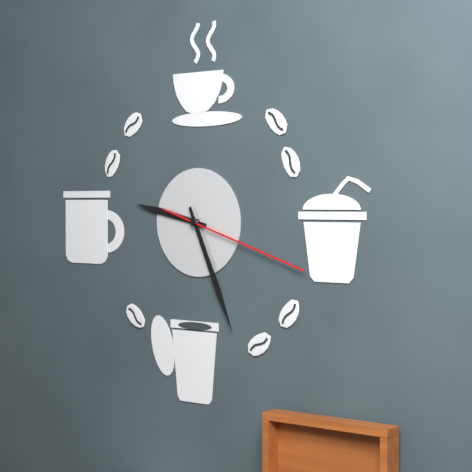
9:26:18
